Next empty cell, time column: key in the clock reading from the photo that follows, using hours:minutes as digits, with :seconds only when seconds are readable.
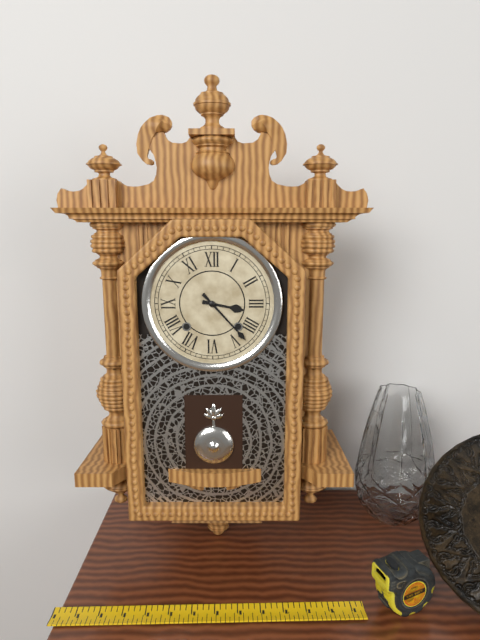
3:23
